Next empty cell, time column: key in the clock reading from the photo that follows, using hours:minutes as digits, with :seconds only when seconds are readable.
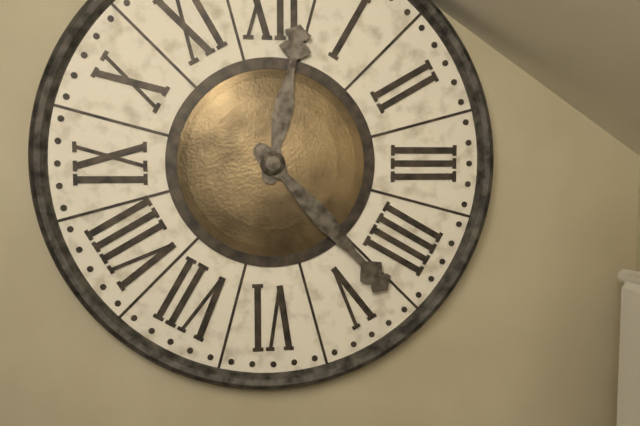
12:23
